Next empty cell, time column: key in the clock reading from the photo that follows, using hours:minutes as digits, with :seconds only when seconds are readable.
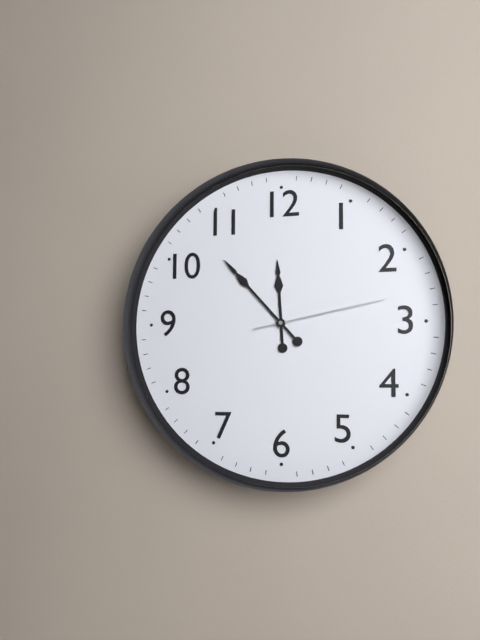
11:53:13
